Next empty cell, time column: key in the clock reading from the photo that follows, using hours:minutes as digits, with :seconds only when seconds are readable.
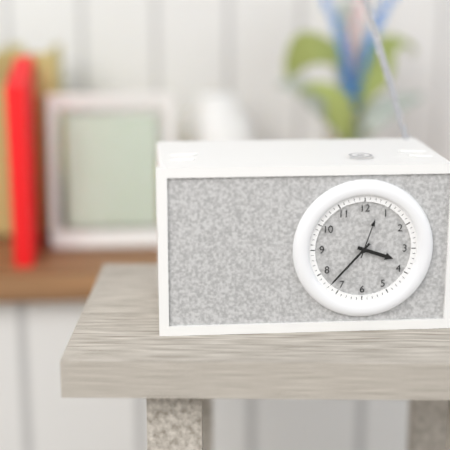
3:37
